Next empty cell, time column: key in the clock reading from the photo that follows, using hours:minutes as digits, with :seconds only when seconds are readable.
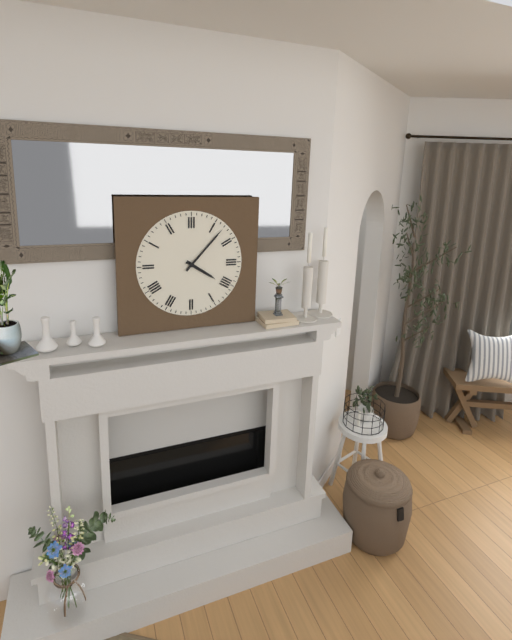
4:07
